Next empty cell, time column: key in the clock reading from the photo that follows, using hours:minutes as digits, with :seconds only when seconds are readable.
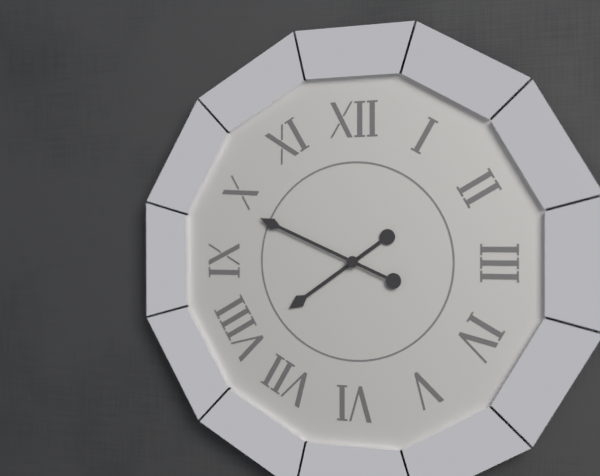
7:49
